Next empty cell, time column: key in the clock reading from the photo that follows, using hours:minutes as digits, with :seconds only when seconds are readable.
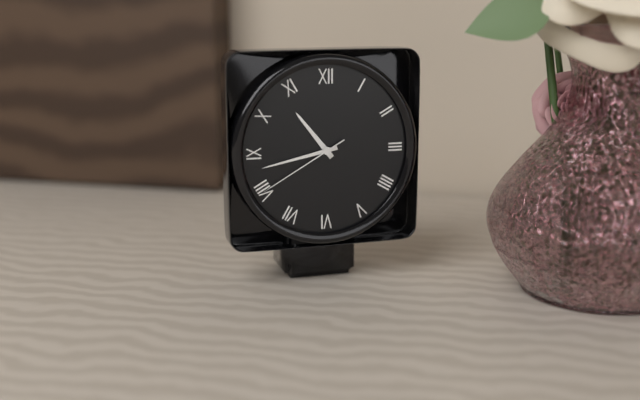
10:43:40
